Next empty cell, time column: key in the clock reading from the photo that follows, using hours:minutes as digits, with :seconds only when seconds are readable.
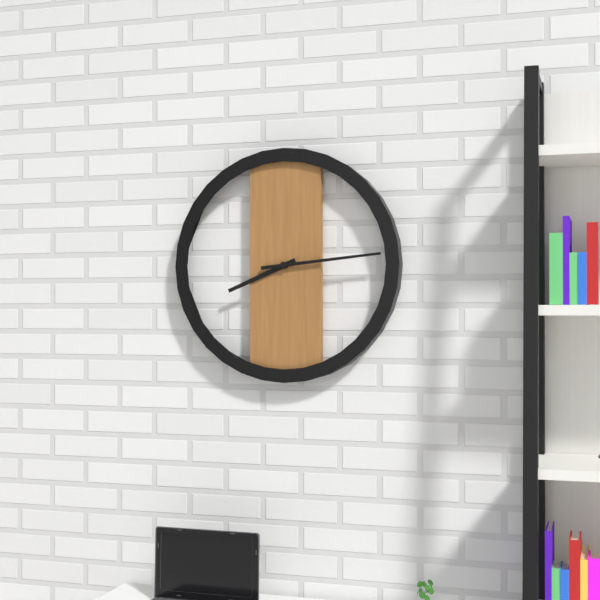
8:14
